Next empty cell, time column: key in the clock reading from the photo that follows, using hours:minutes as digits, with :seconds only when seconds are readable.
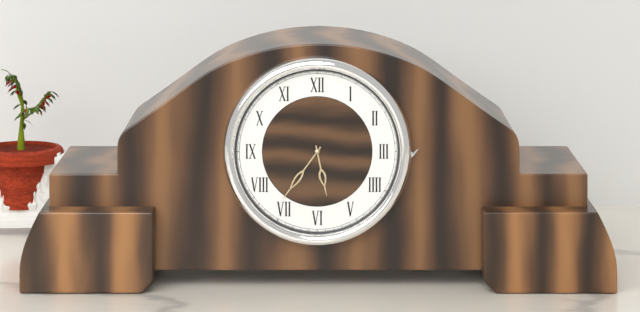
5:36
